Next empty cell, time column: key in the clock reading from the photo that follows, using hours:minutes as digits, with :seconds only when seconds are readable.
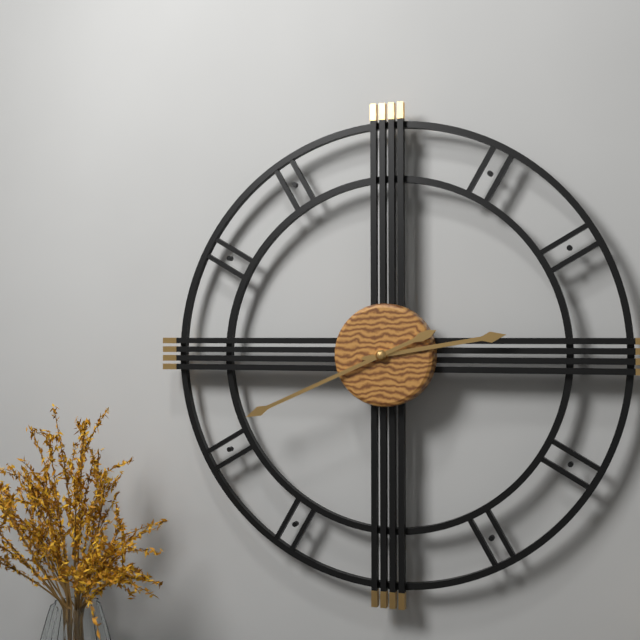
2:41
